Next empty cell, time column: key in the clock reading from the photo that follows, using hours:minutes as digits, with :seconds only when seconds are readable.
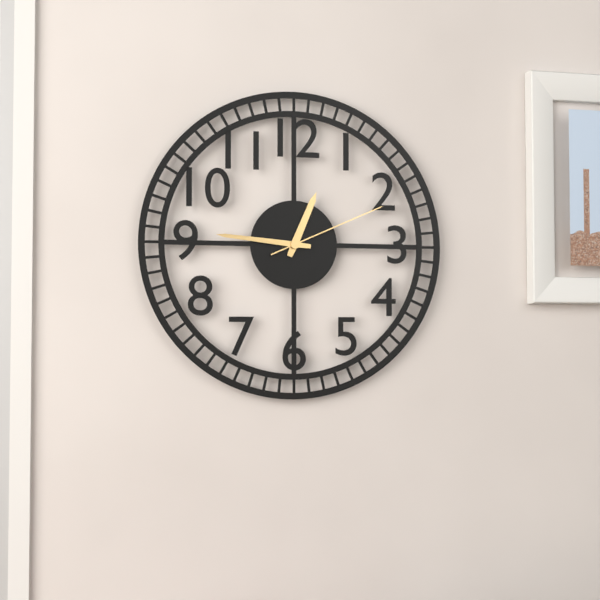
12:46:11
